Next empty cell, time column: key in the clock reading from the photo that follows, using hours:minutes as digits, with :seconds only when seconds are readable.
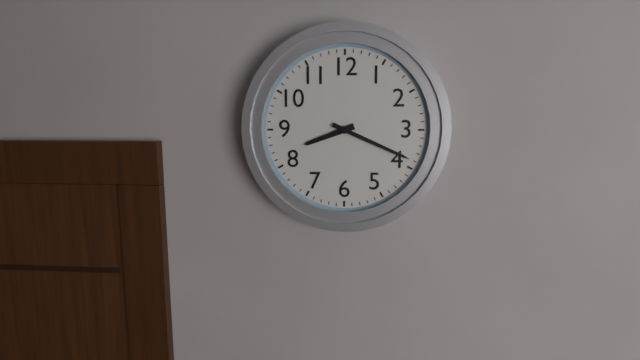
8:19
